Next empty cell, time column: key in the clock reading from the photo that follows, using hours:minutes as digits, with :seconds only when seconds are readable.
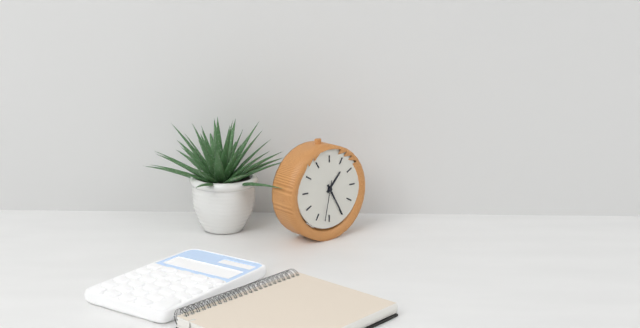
1:25
